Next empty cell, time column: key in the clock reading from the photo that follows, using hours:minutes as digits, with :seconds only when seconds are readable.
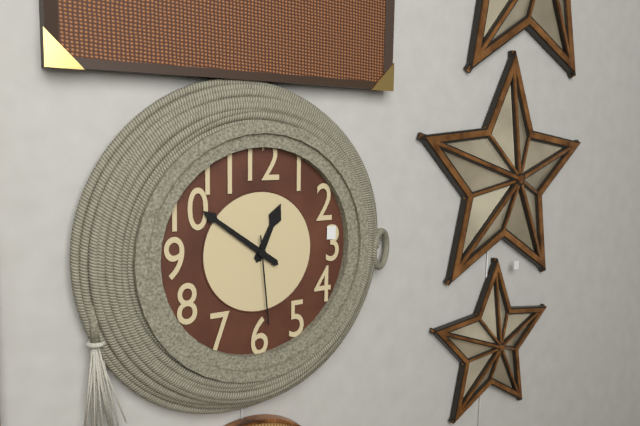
12:51:29
